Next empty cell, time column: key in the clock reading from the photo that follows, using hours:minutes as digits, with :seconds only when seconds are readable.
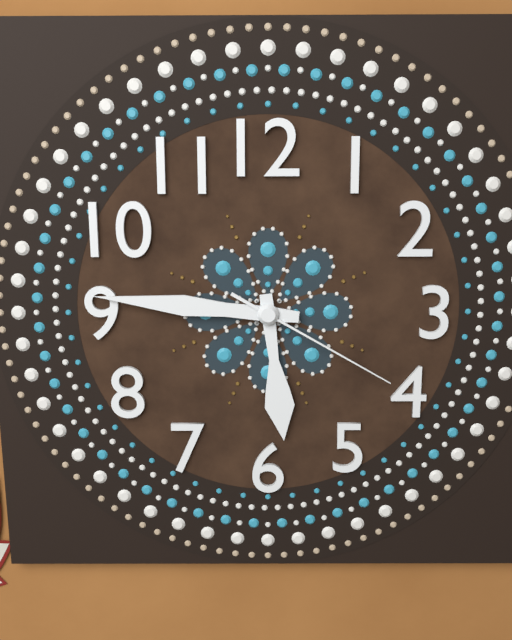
5:46:20
